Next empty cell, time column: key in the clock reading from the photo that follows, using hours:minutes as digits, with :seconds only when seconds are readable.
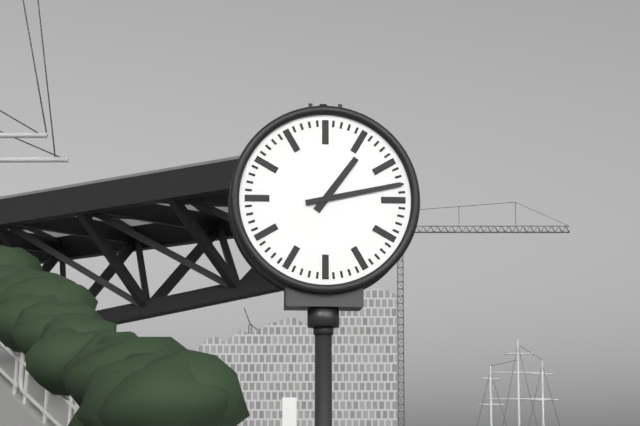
1:13
